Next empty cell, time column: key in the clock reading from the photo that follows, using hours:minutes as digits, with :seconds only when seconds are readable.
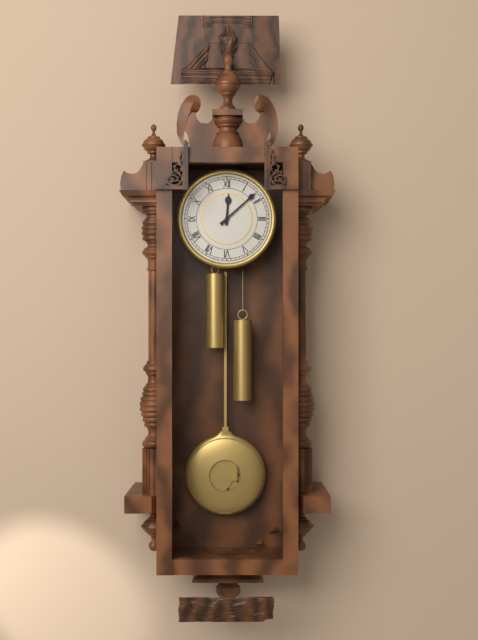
12:08
